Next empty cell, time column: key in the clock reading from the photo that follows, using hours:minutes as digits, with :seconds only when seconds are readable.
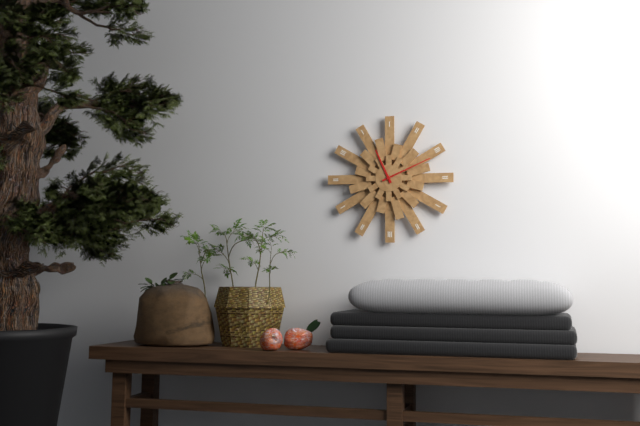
11:11
